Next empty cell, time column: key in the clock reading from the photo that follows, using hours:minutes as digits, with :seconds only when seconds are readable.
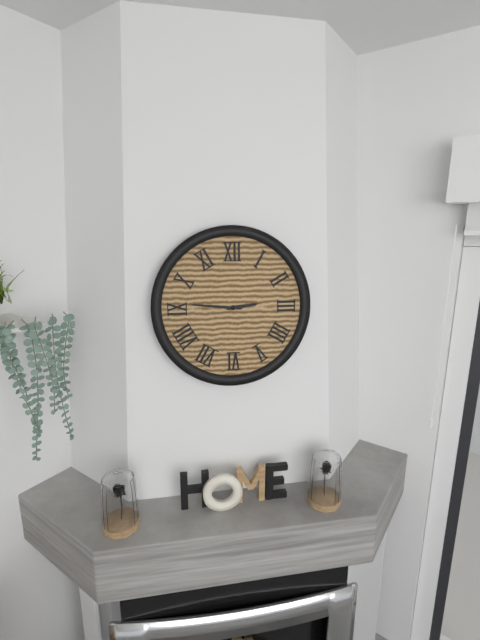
2:46
